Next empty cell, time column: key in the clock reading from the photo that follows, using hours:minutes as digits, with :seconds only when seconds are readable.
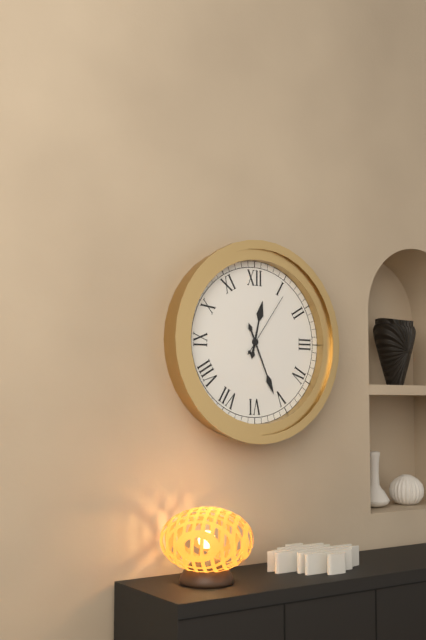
12:26:06
